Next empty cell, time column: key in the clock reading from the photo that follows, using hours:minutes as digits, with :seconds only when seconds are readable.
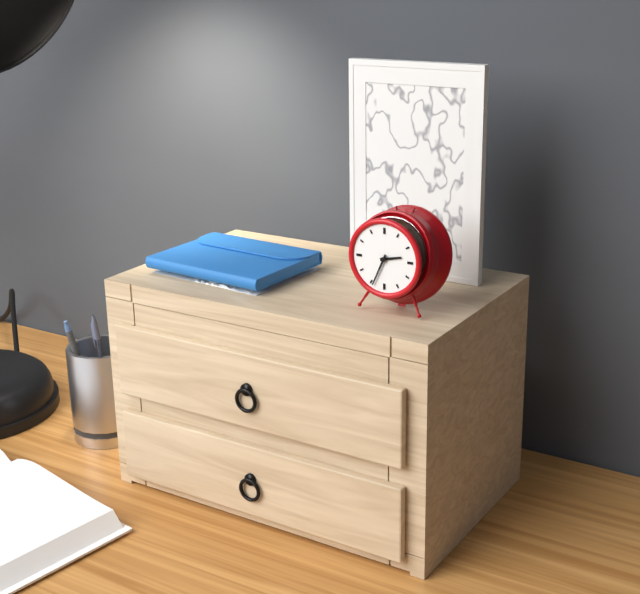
2:34
